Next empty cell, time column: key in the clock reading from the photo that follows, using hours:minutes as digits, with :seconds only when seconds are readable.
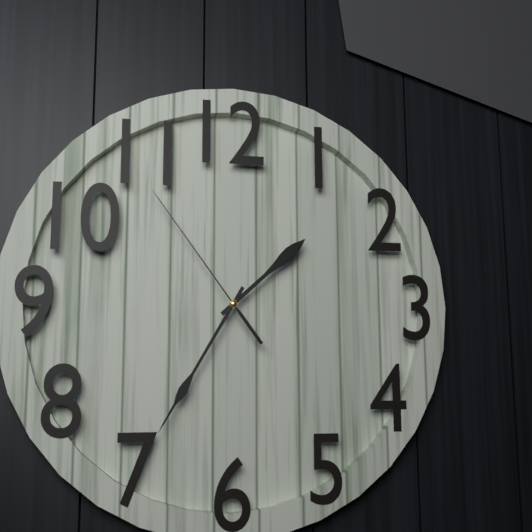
1:35:54
